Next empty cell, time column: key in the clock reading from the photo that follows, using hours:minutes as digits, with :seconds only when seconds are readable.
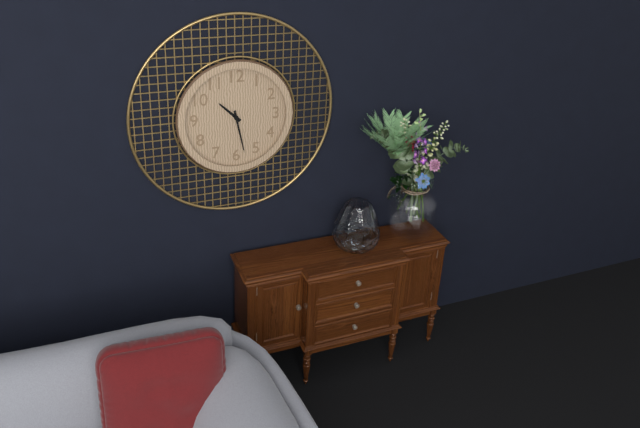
10:28
